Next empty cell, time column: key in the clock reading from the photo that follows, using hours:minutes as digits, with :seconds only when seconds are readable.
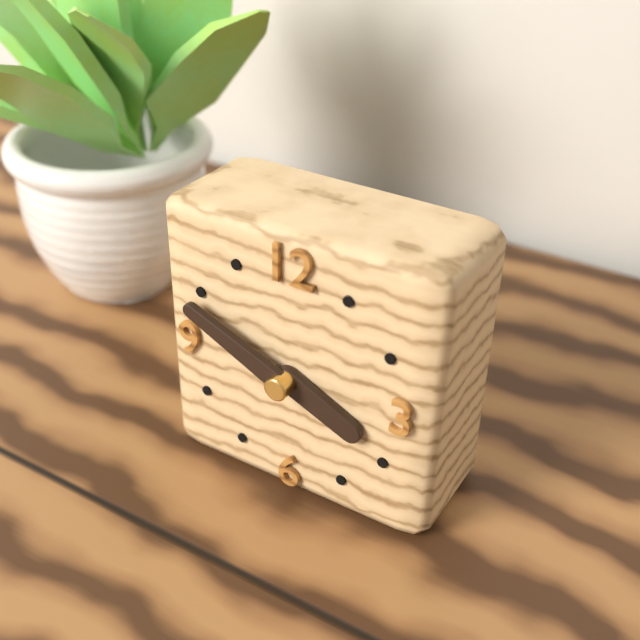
3:49
